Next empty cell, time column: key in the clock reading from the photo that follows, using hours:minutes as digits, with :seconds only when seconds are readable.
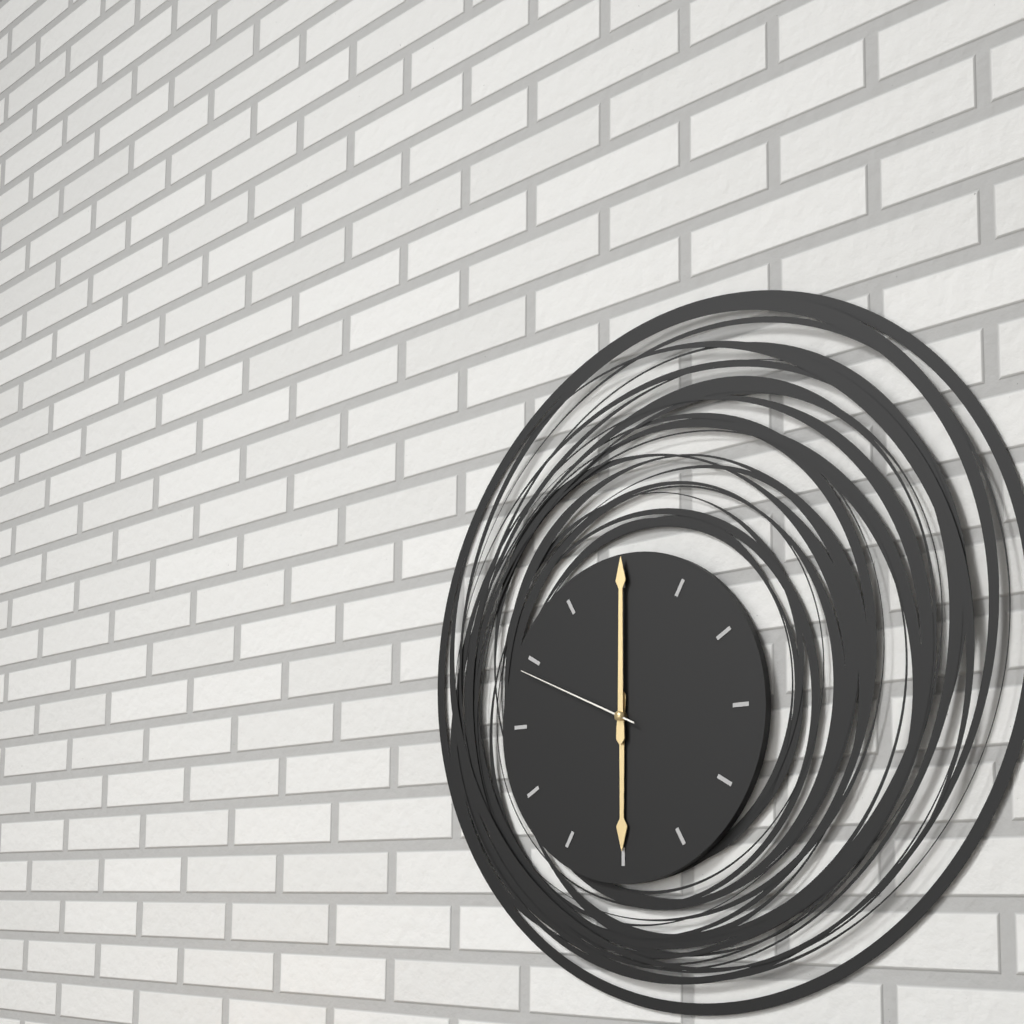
6:00:49
